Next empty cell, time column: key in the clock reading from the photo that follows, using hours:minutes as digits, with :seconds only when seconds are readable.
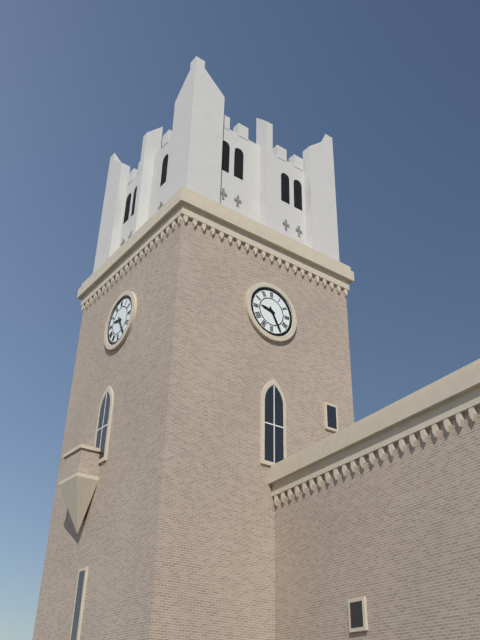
9:25
